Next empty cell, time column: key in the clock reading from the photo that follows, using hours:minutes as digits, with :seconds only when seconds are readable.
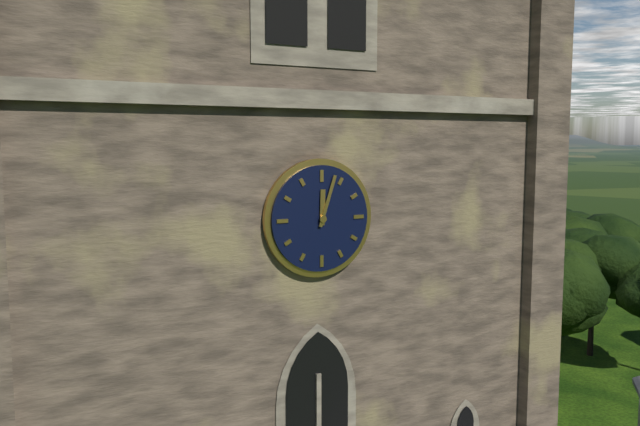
12:03
